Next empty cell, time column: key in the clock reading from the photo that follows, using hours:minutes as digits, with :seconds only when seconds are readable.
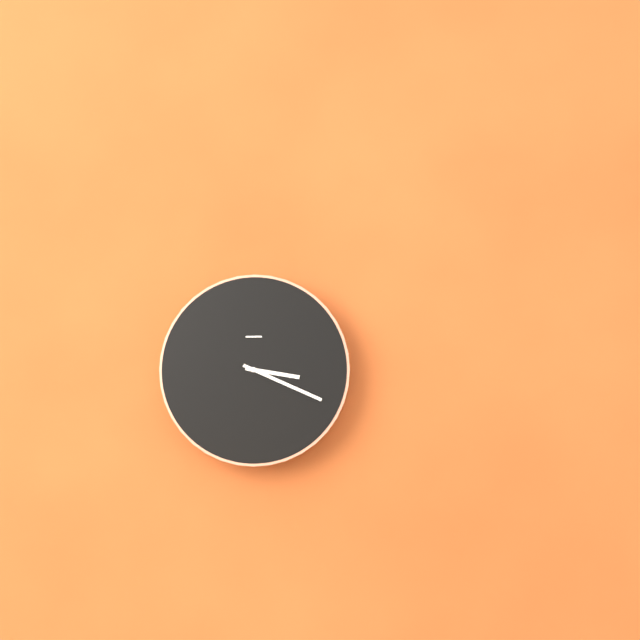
3:19
